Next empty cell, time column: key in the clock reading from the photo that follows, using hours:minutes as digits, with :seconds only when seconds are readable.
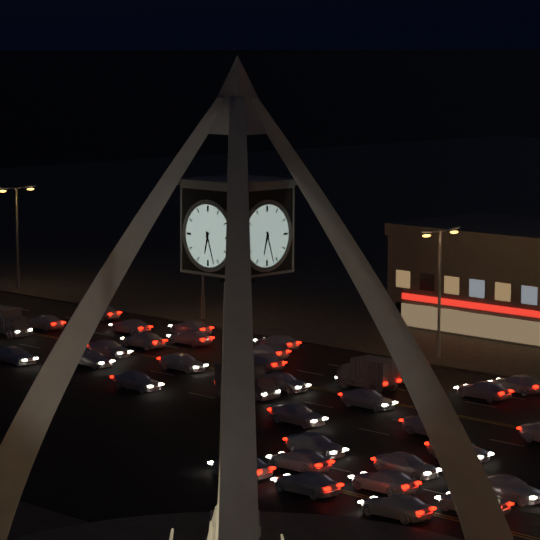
6:27
